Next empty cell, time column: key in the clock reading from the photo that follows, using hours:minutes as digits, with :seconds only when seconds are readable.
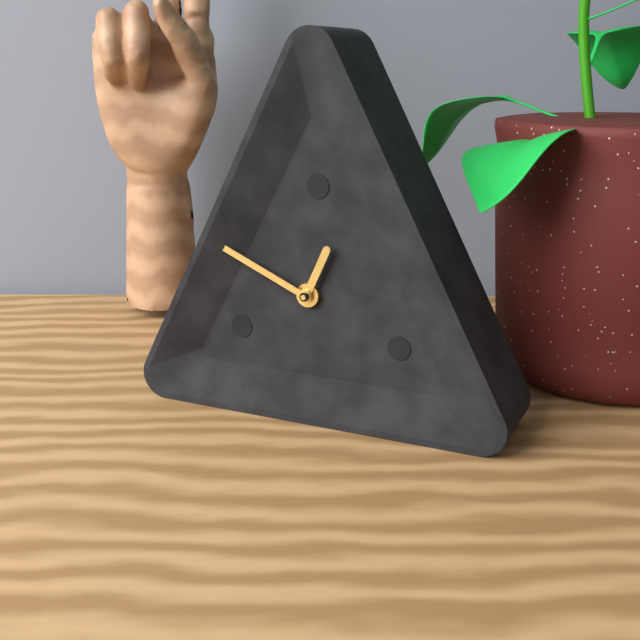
12:49
